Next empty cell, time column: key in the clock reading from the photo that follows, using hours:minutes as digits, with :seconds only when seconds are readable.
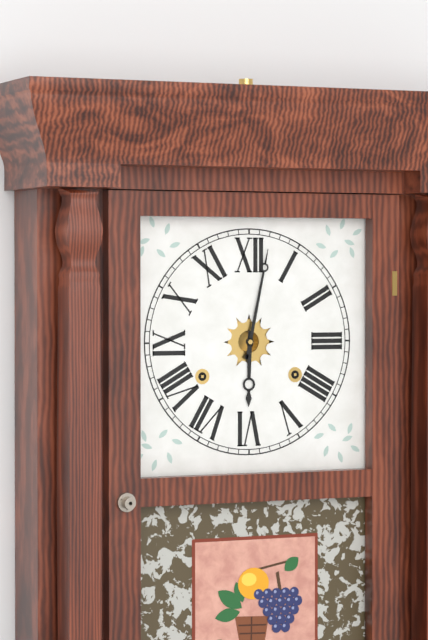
6:02
